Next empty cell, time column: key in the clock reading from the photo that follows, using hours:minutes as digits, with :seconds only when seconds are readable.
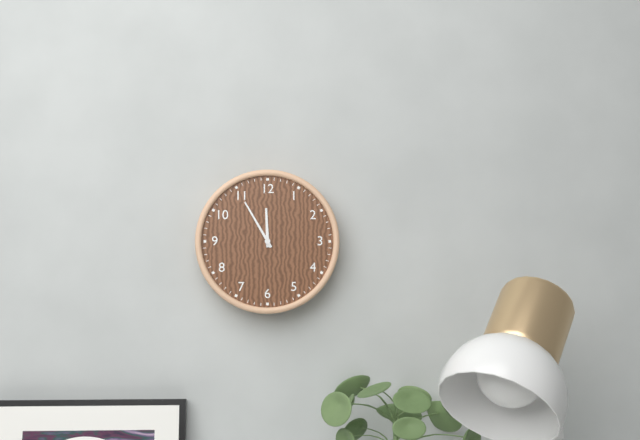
11:55
